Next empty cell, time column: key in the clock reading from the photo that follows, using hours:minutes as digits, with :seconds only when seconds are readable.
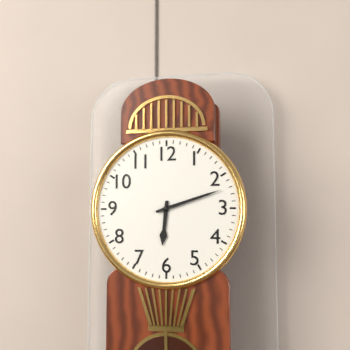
6:12
